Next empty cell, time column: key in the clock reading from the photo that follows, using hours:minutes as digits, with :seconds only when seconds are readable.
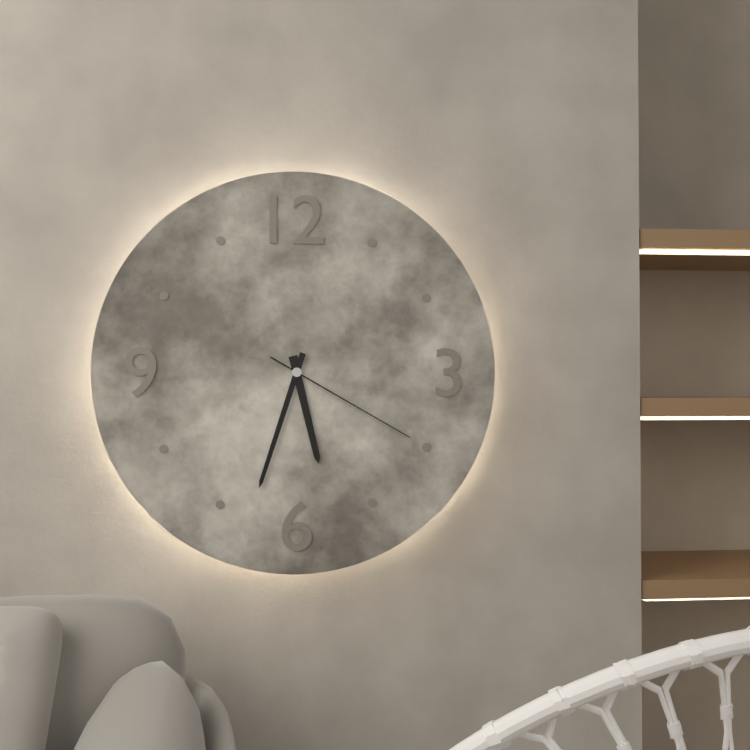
5:33:20
